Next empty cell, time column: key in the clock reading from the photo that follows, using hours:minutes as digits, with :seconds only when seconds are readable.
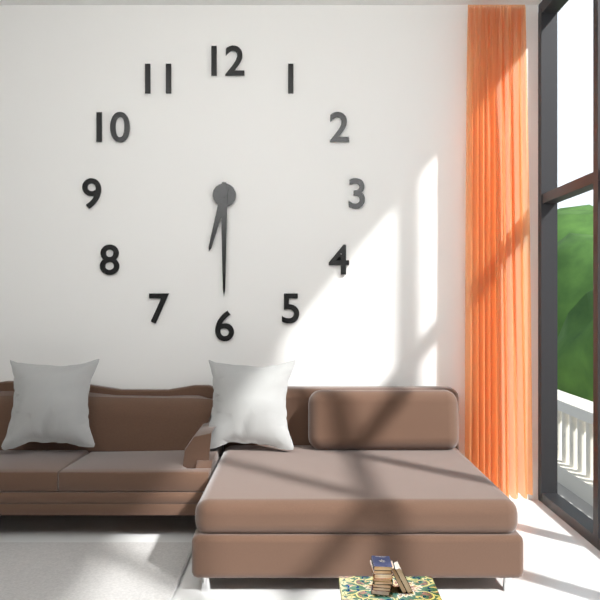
6:30
